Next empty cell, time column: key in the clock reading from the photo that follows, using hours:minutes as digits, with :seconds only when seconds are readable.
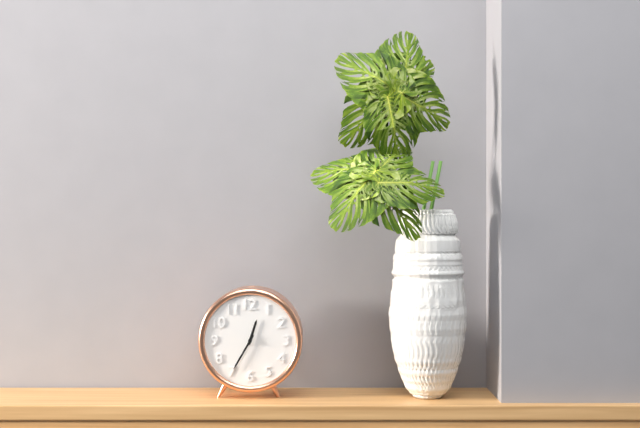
12:35
